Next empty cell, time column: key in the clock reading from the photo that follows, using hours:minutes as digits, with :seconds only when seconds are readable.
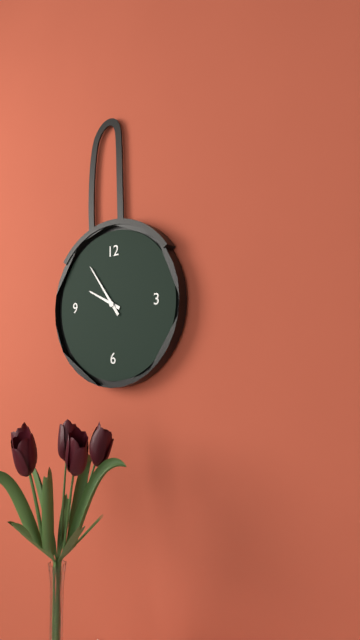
9:54
